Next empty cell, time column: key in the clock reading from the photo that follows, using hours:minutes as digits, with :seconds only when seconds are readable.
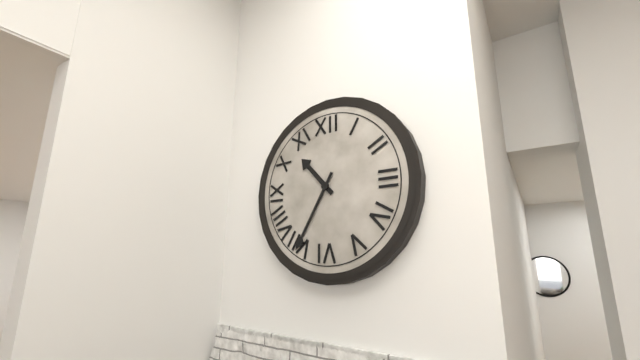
10:35
